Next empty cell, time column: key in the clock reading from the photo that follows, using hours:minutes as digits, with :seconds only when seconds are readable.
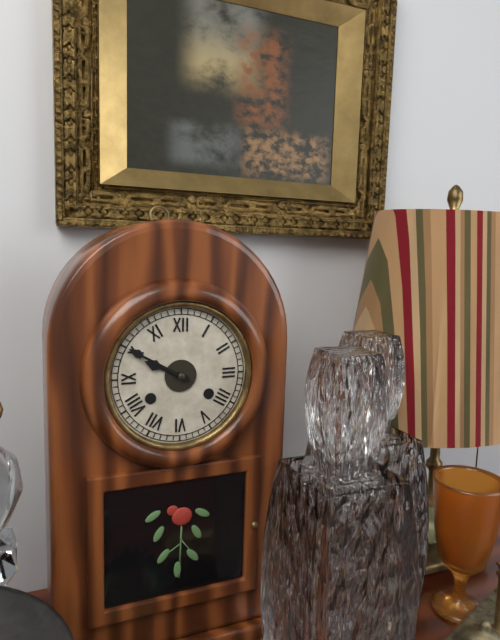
9:50
